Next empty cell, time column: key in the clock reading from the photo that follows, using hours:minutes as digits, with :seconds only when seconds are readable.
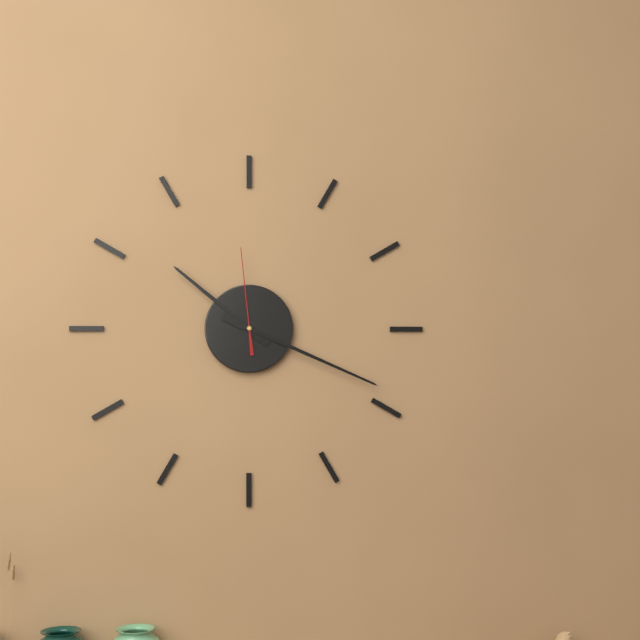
10:19:59
